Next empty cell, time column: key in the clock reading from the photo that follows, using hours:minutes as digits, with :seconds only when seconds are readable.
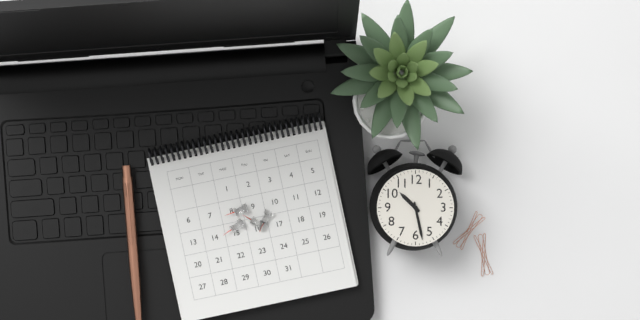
10:28
